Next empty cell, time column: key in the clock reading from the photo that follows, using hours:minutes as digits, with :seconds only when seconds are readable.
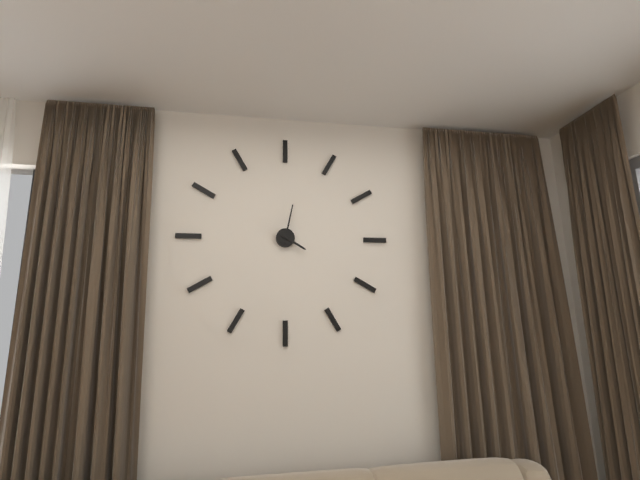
4:02
